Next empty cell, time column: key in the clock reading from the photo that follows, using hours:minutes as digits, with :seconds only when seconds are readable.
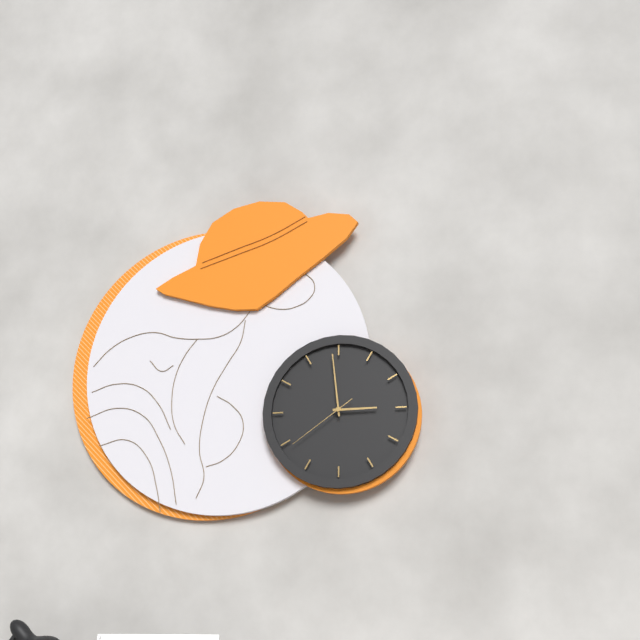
2:59:39
